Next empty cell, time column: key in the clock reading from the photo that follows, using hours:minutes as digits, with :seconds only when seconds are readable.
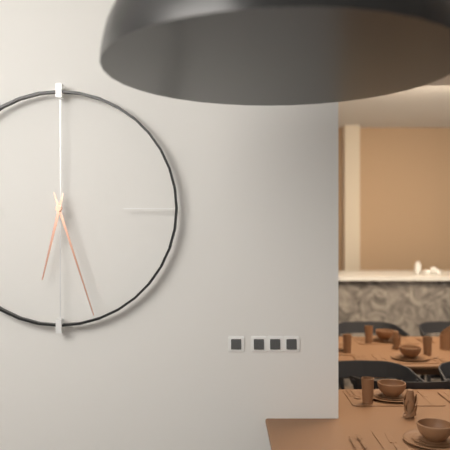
6:27
